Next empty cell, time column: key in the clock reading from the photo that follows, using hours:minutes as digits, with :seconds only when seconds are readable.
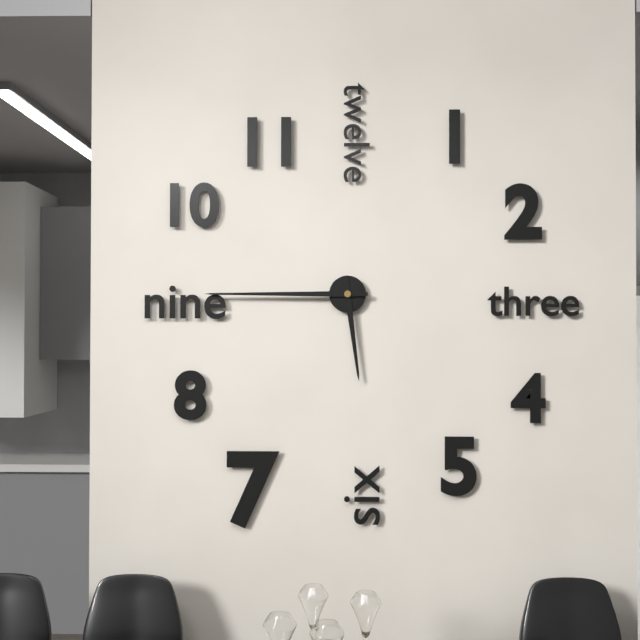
5:45
